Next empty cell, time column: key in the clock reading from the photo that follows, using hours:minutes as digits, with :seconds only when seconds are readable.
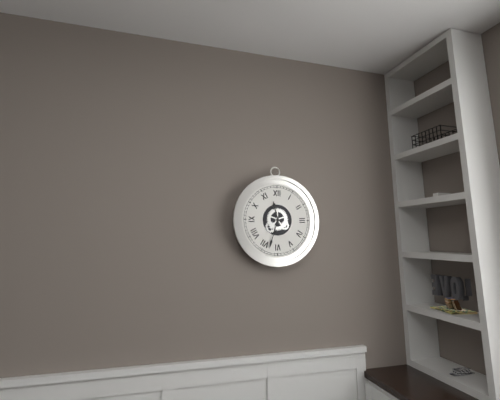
11:33
